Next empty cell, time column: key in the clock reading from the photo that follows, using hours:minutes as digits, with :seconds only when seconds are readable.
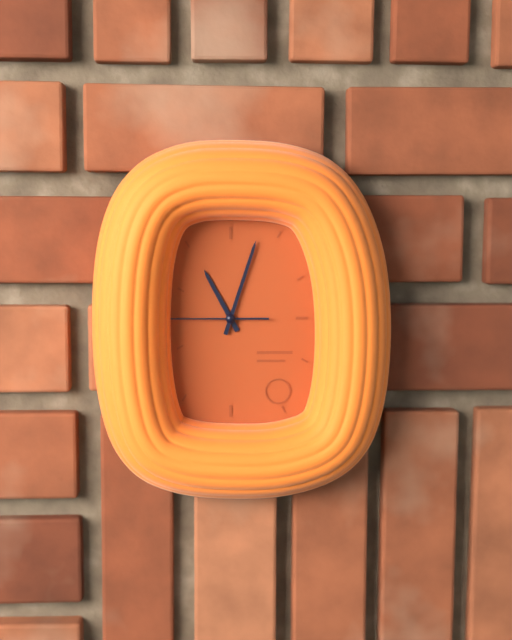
11:03
